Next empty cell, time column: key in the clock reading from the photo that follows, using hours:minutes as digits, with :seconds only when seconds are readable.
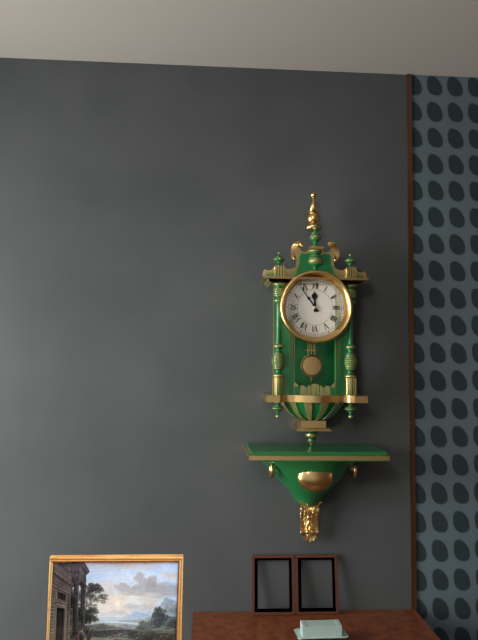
11:54
